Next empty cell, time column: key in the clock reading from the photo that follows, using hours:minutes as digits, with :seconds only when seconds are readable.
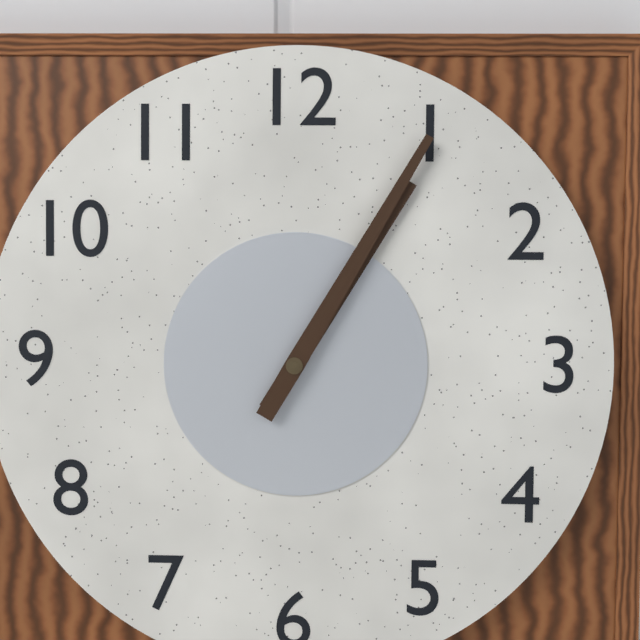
1:05
